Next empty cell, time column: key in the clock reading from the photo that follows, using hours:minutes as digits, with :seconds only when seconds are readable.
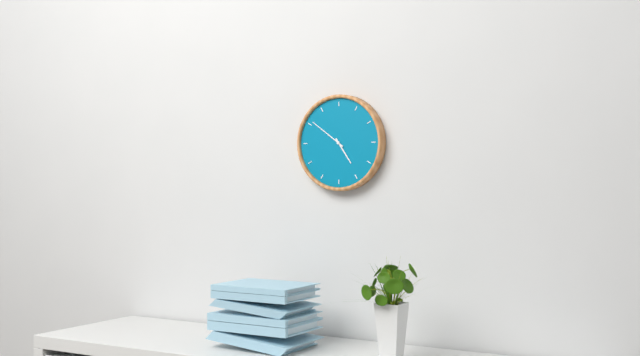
4:51
